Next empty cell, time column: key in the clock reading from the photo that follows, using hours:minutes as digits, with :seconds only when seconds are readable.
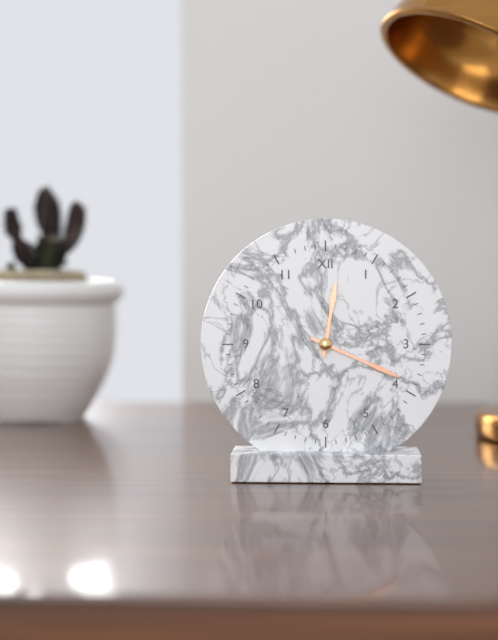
12:19
